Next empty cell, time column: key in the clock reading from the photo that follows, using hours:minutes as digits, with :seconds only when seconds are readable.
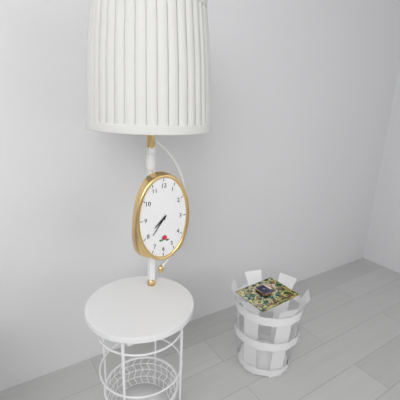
7:36
